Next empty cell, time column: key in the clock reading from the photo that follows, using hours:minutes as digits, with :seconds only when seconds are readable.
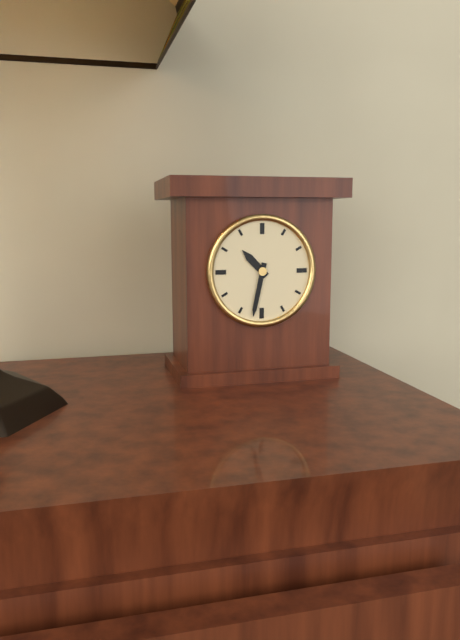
10:32
